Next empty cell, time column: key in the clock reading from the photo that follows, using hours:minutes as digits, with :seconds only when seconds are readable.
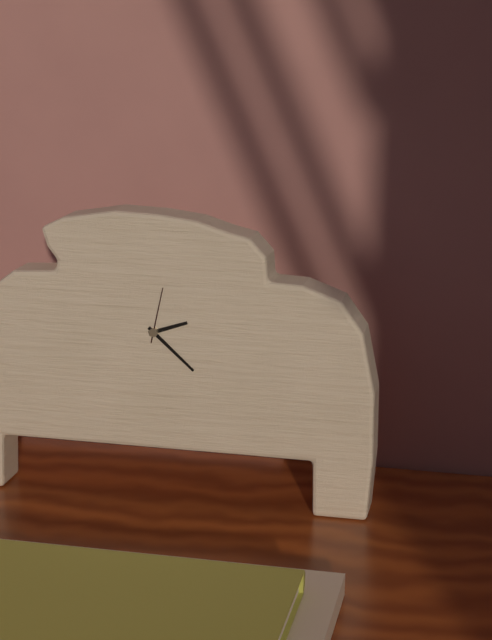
2:22:02
